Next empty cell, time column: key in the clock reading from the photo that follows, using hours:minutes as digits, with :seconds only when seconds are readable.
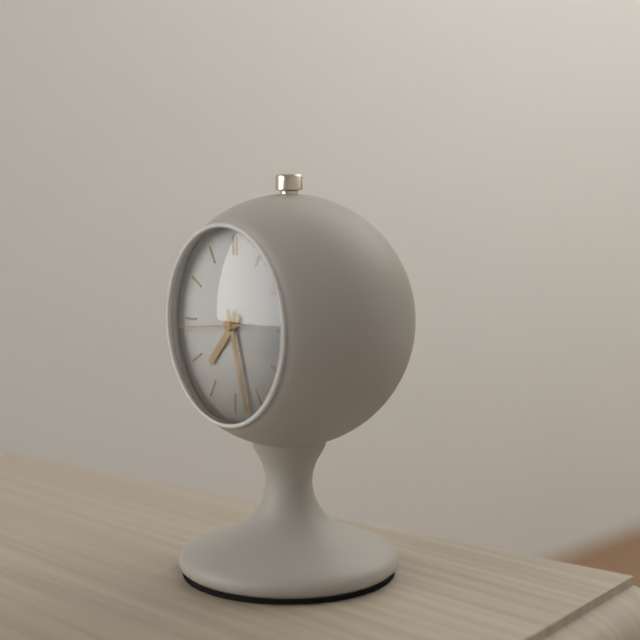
7:27:44
